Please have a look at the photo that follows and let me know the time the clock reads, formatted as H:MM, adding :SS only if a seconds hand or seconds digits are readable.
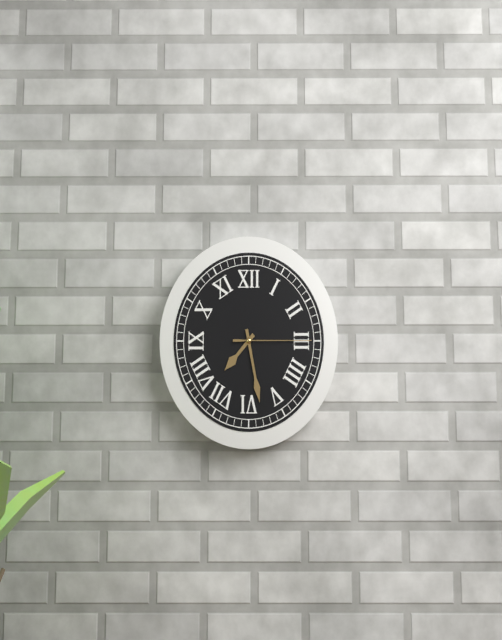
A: 7:28:15
